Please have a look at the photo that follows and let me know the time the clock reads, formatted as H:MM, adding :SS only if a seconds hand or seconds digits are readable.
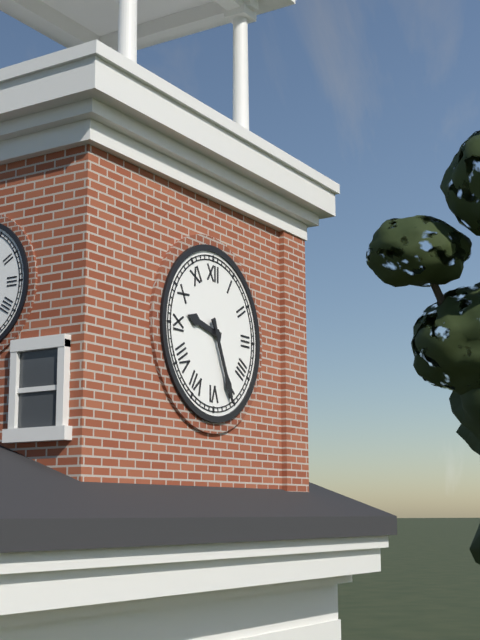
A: 9:26
